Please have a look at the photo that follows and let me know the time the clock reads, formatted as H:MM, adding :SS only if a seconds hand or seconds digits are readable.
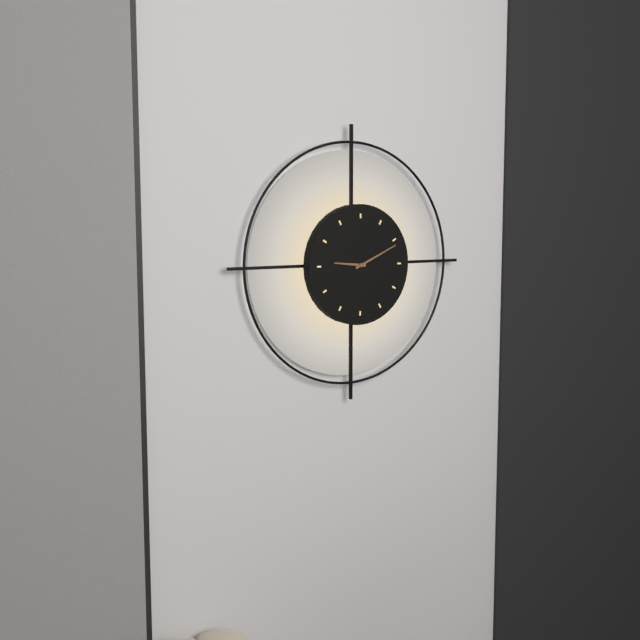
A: 9:11
